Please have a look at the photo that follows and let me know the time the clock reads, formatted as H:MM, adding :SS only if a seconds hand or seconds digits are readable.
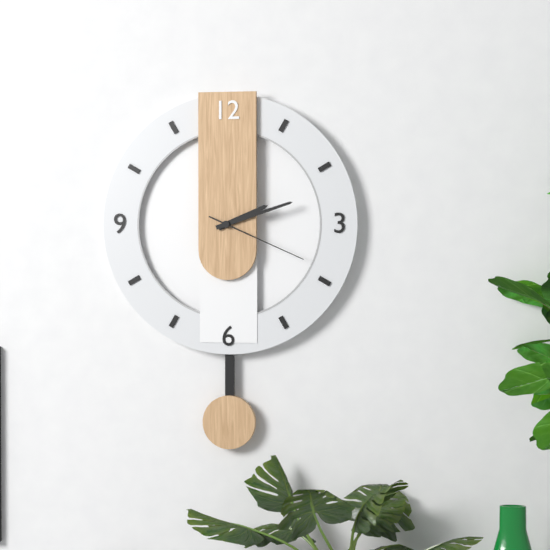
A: 2:12:19
